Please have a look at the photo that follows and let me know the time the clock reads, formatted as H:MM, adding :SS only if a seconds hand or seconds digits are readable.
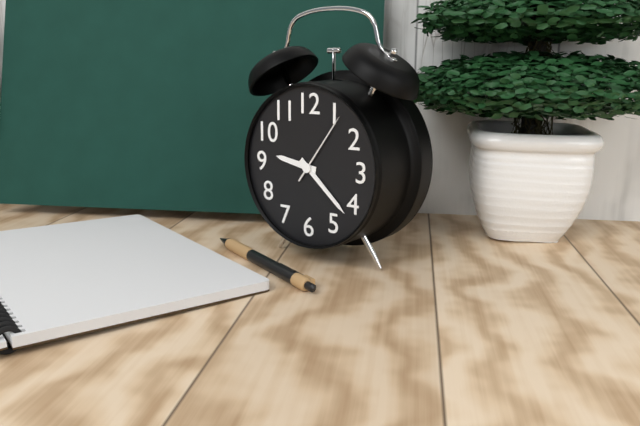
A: 9:22:06
